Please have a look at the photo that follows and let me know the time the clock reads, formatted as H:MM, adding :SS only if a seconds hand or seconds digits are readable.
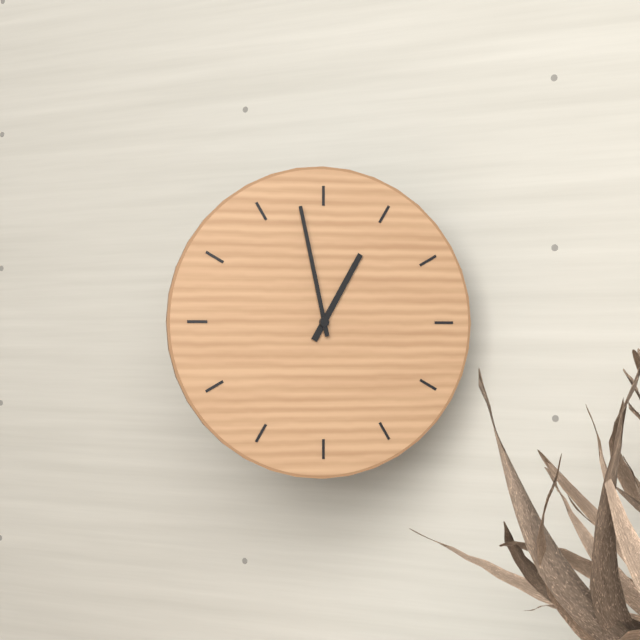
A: 12:58
